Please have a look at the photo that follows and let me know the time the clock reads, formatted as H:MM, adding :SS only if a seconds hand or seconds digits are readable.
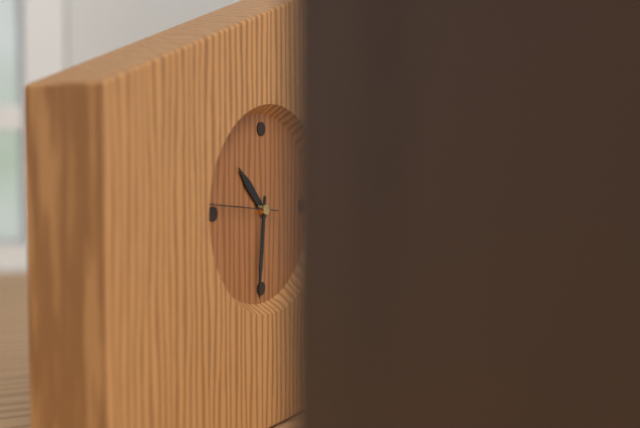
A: 10:31:46
